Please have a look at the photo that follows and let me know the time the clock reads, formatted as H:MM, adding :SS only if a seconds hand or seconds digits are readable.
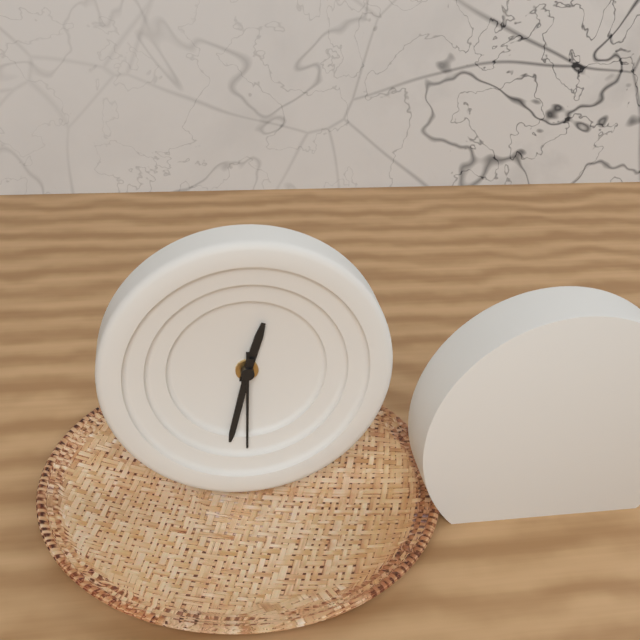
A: 12:32:30
